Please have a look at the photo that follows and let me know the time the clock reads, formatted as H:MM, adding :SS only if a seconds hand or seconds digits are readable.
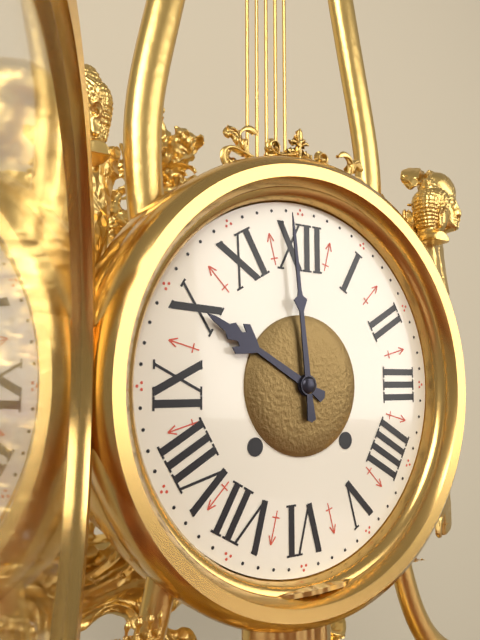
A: 9:59
